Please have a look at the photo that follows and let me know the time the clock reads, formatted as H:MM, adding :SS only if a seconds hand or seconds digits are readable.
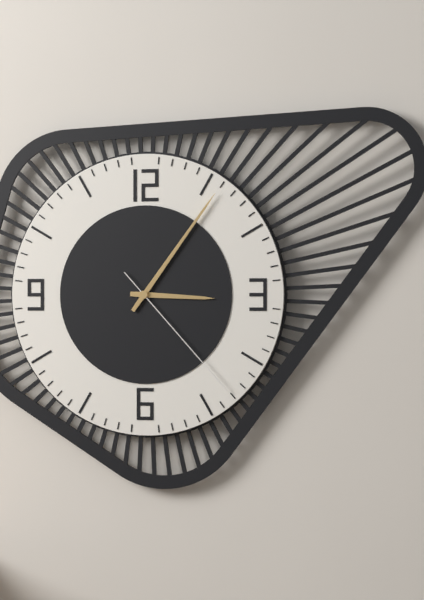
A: 3:06:23
